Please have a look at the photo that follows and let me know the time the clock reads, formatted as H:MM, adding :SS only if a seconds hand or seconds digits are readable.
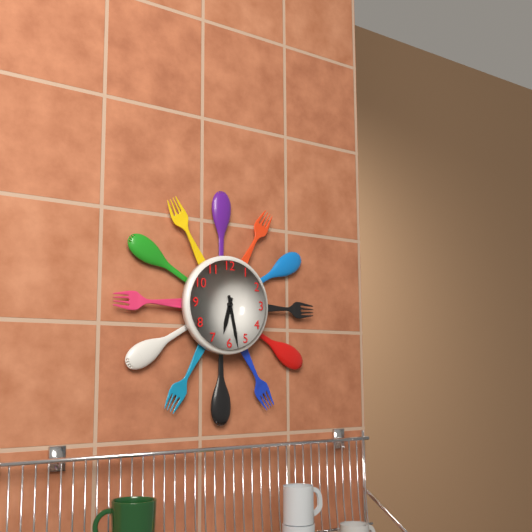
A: 6:28
